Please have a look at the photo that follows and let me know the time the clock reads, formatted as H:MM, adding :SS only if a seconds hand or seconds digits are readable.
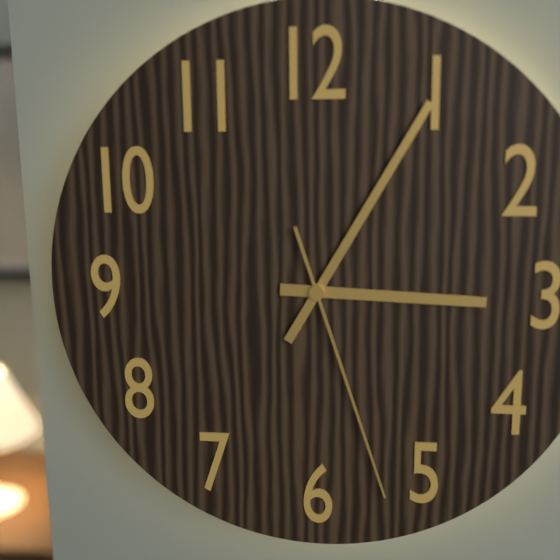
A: 3:05:27
